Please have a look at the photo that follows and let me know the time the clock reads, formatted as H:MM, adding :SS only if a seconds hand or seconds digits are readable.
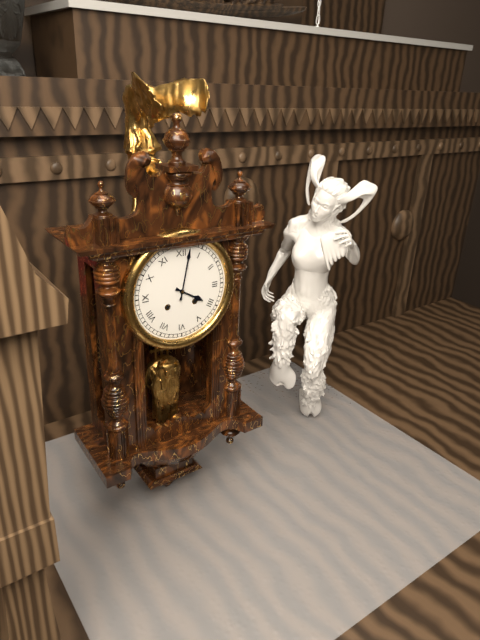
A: 4:02
